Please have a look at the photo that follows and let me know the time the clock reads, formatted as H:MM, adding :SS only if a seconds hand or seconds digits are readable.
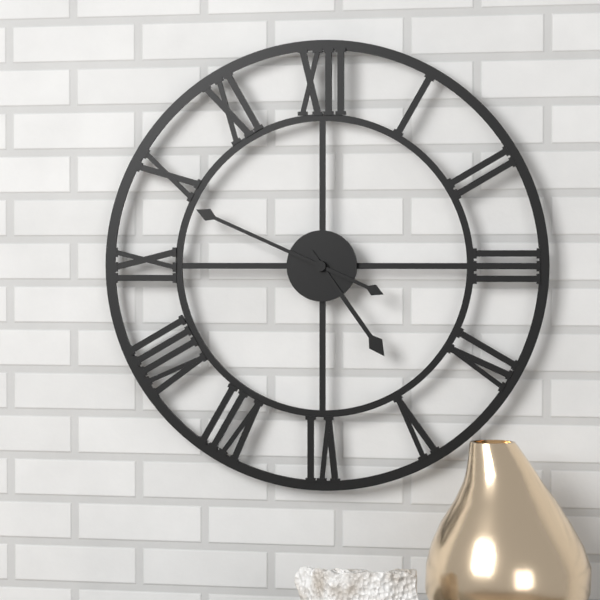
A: 4:49
